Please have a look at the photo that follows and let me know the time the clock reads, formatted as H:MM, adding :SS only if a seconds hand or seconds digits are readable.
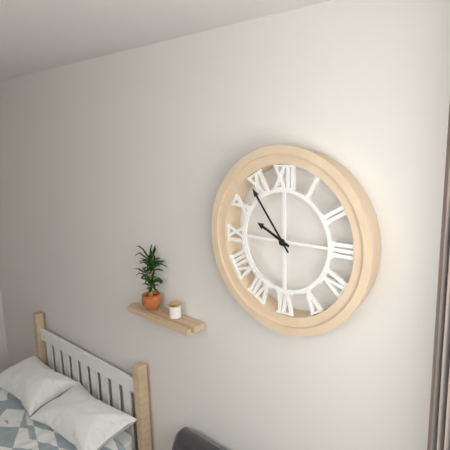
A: 9:54
